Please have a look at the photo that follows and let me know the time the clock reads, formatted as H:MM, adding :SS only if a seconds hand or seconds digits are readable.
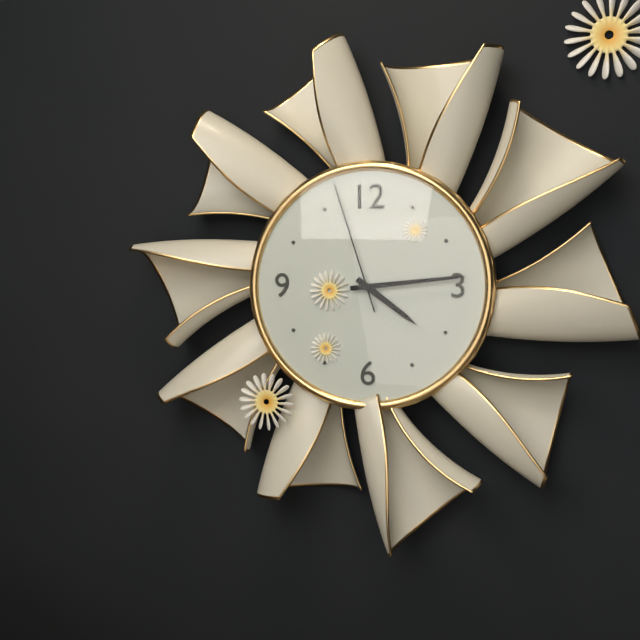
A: 4:14:57
